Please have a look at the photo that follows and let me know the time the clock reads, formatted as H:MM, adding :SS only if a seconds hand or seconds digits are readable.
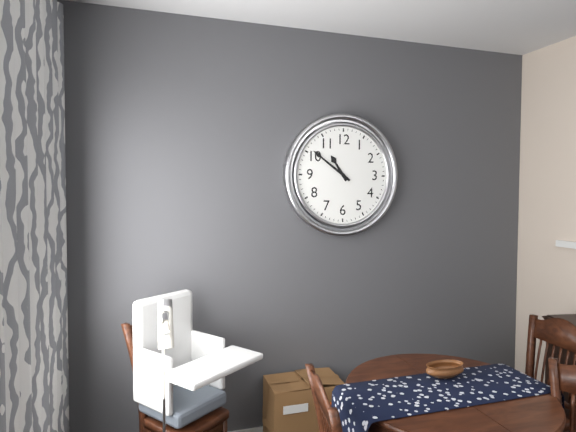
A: 10:51
